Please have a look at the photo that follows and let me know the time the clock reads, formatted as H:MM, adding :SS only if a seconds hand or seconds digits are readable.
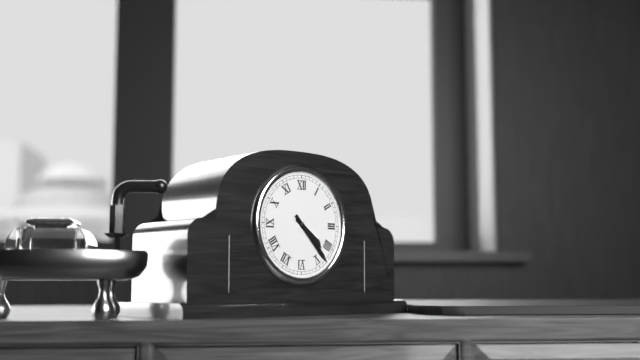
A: 4:23
